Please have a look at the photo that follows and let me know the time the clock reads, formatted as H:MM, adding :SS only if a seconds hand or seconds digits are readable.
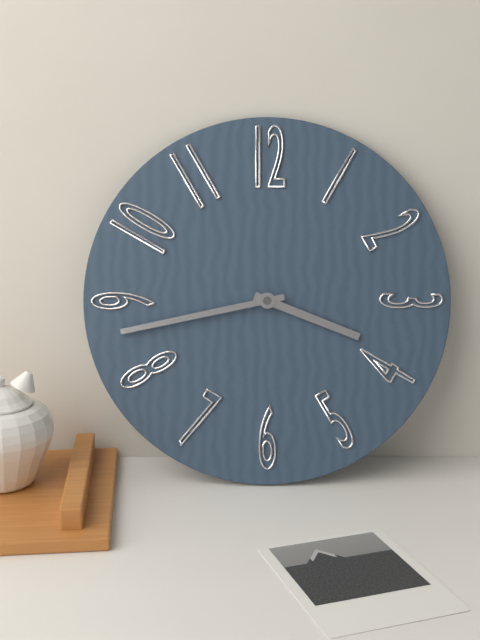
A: 3:43
